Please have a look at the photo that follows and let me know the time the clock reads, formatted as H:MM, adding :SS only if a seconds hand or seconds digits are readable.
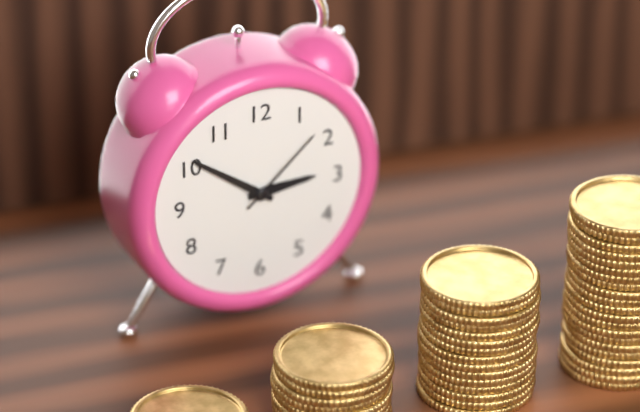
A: 2:51:08
